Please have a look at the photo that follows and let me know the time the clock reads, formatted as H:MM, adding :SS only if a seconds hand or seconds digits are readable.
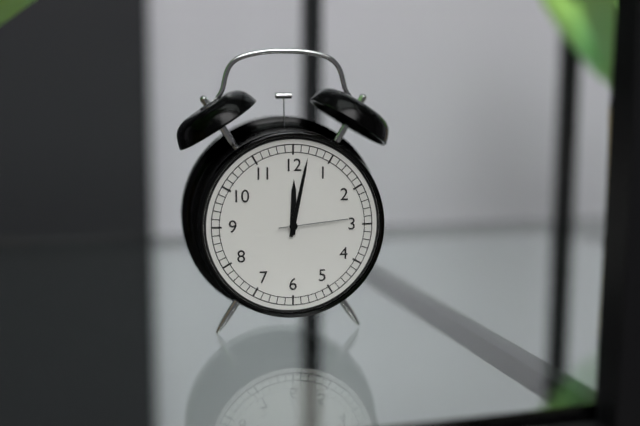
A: 12:02:14
